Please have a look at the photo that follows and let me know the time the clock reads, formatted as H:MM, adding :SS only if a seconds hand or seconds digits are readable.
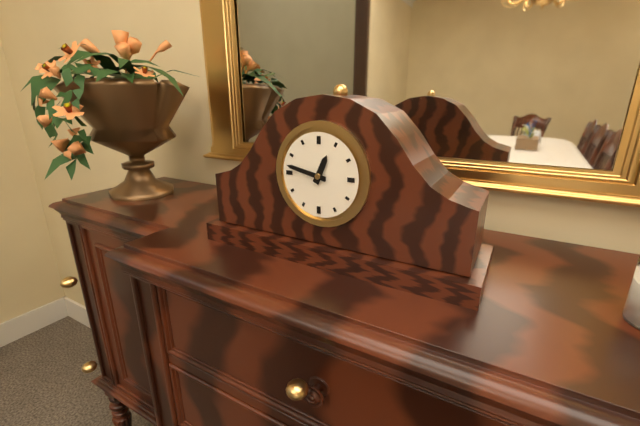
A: 12:47
